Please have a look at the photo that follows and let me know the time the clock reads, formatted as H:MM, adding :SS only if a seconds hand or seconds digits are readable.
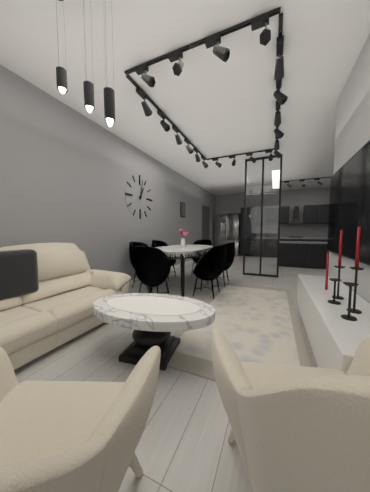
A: 1:02
